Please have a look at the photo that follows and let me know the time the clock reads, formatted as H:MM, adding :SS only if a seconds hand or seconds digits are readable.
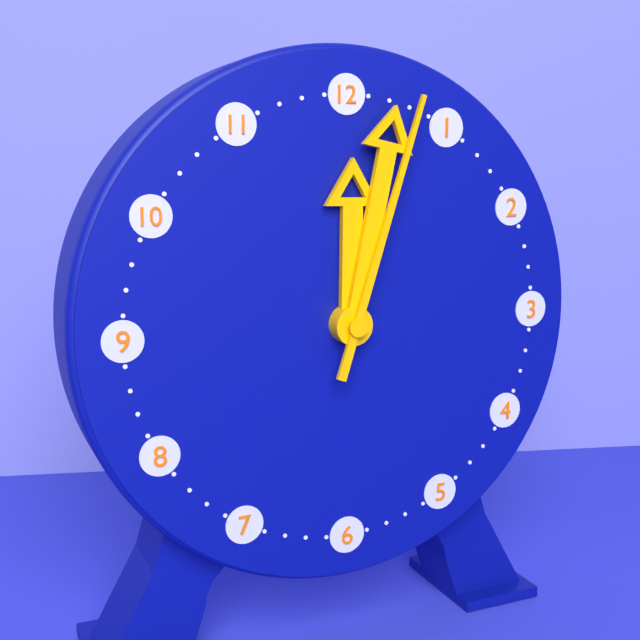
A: 12:02:03
